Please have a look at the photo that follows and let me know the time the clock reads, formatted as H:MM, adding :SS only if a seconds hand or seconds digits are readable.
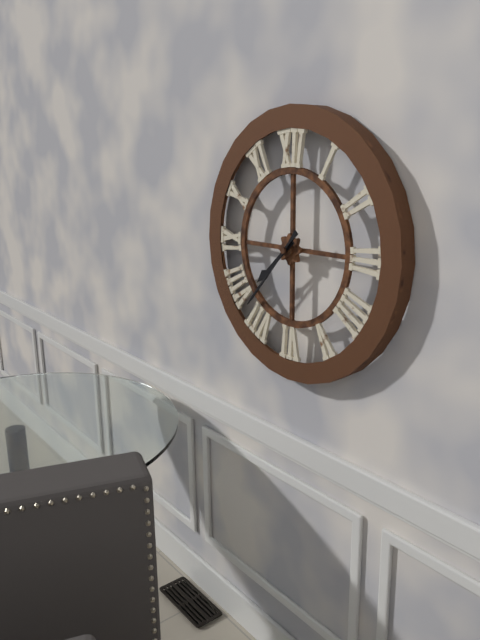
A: 7:37
